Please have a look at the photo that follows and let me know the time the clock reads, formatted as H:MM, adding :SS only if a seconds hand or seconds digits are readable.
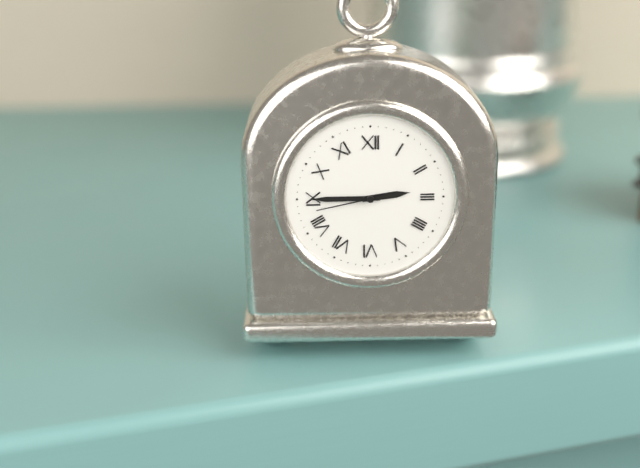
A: 2:45:43
